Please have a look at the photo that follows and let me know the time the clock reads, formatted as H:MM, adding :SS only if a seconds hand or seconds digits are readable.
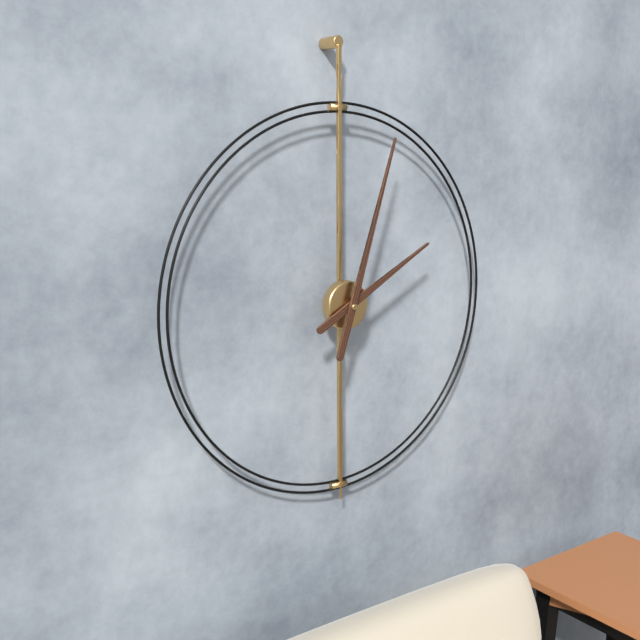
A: 2:03
